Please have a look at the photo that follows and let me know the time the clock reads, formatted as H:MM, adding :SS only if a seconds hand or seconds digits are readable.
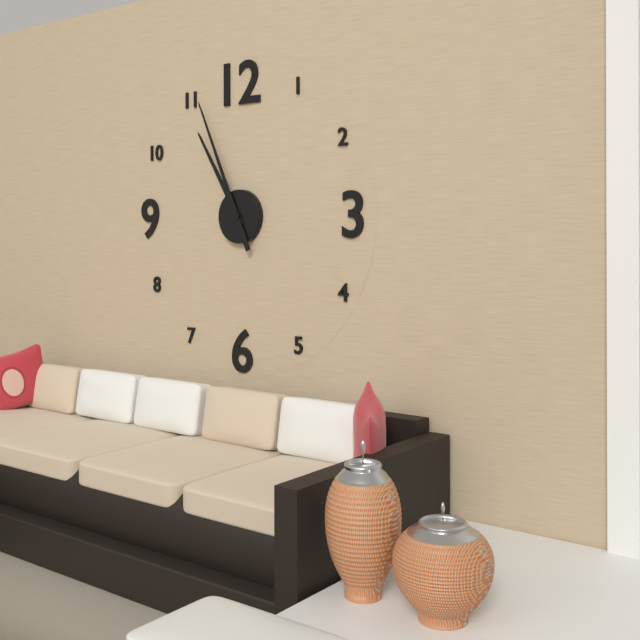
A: 10:56
